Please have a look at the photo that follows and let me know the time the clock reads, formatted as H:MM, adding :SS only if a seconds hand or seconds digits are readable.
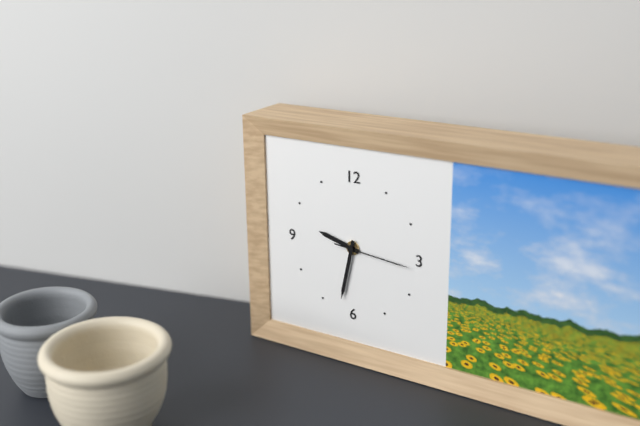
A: 9:32:16
